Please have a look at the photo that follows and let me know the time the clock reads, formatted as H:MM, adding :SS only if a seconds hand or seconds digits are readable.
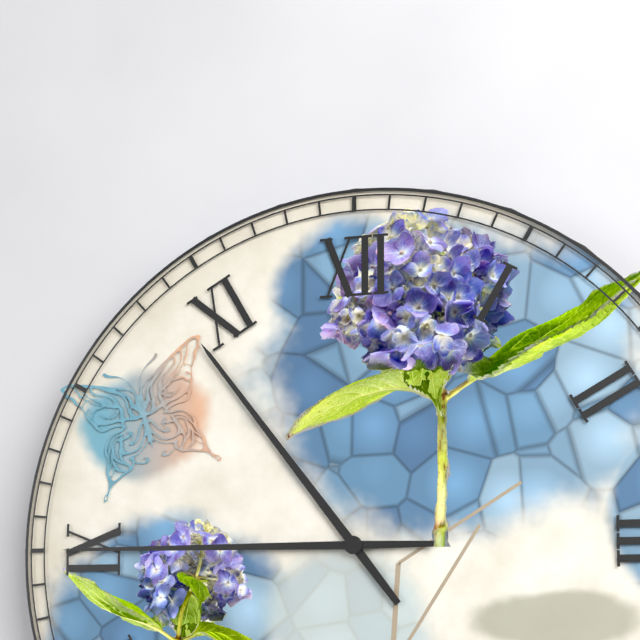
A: 10:45
